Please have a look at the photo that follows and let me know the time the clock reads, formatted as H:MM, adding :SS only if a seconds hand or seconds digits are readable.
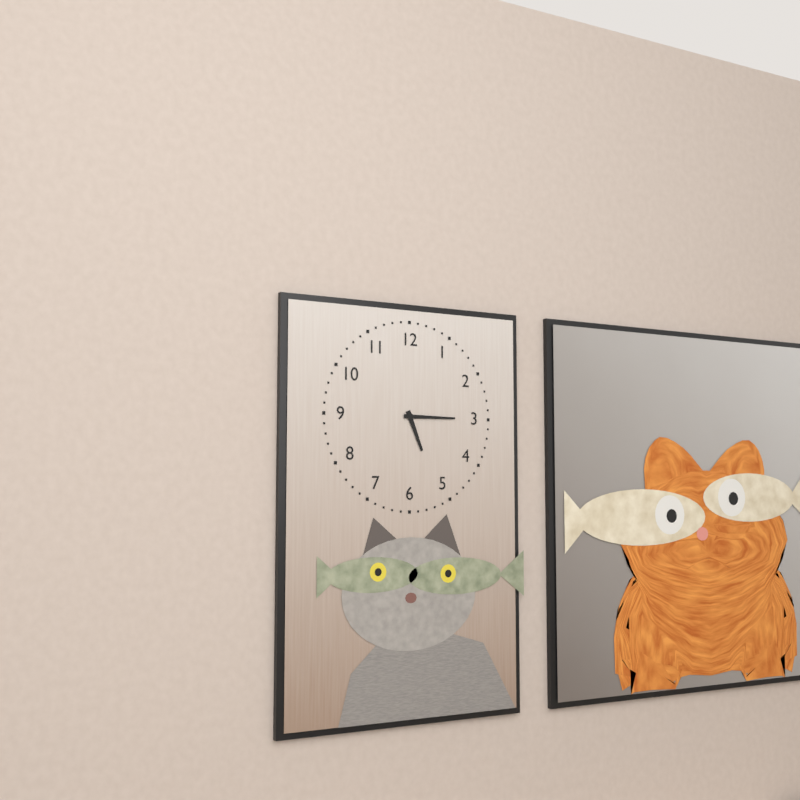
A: 5:15
